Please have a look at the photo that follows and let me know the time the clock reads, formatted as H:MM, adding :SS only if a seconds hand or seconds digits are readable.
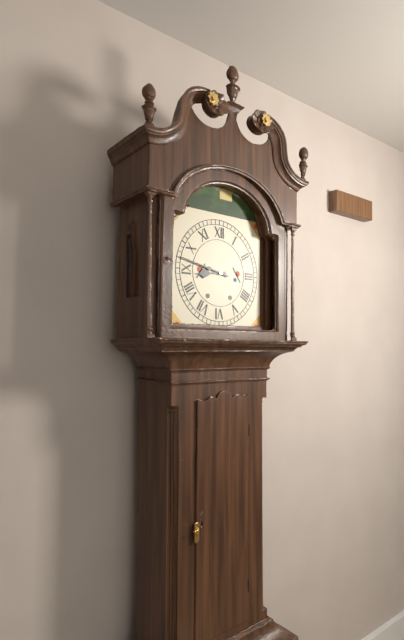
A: 8:47
